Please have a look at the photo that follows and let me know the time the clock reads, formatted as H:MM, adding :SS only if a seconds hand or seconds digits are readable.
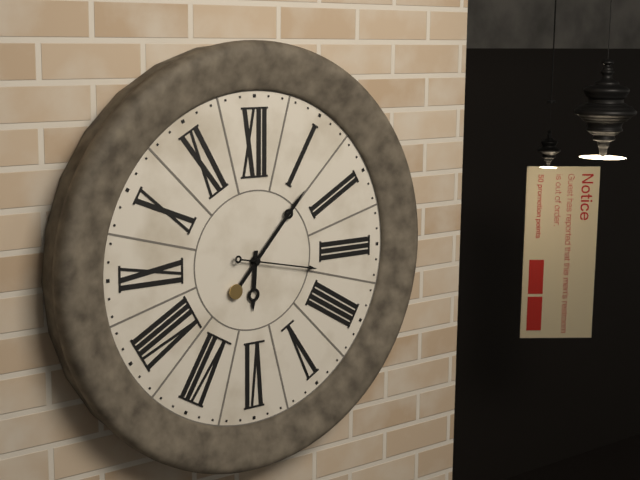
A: 6:07:17
